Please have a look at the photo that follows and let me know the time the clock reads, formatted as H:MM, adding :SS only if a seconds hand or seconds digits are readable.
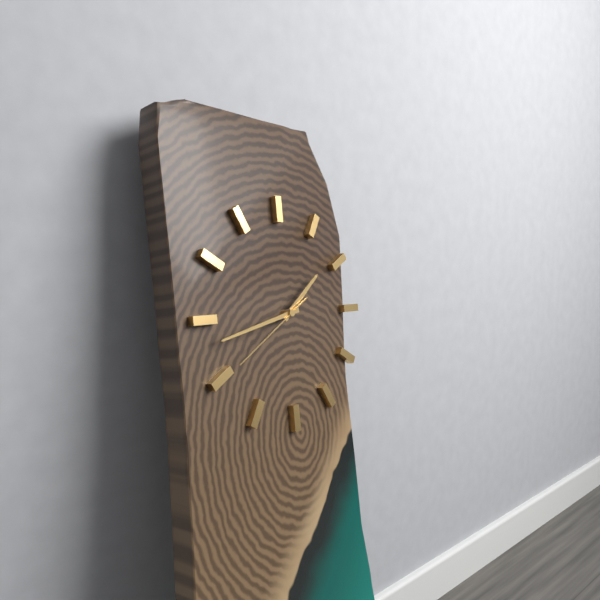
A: 1:43:40
